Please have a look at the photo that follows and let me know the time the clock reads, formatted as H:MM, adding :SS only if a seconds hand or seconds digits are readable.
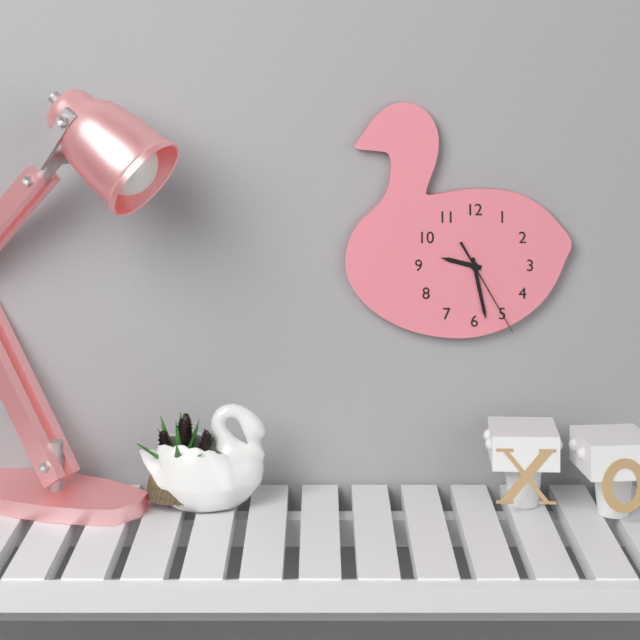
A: 9:28:25
